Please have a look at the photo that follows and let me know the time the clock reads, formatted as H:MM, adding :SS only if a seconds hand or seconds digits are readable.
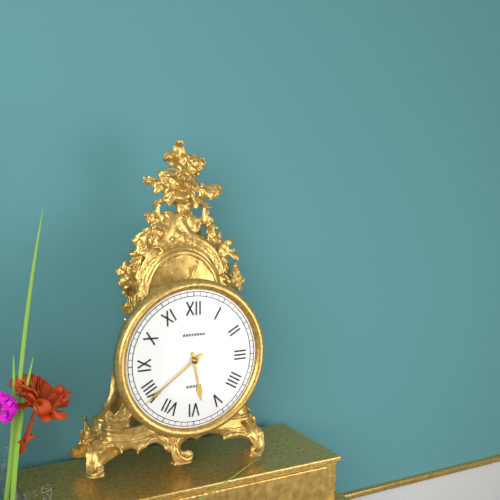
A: 5:39
